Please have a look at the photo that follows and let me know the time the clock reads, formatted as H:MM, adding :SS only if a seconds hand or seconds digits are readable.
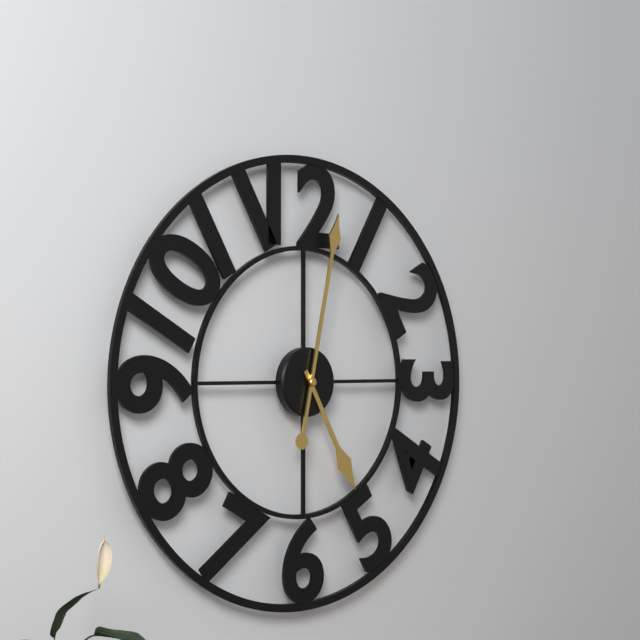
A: 5:02
